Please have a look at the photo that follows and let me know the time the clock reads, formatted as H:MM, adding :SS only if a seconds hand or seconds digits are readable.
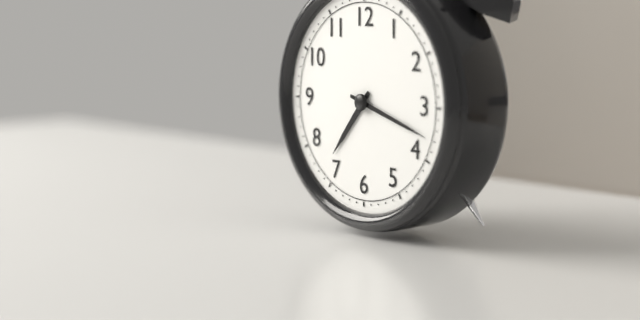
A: 7:18
